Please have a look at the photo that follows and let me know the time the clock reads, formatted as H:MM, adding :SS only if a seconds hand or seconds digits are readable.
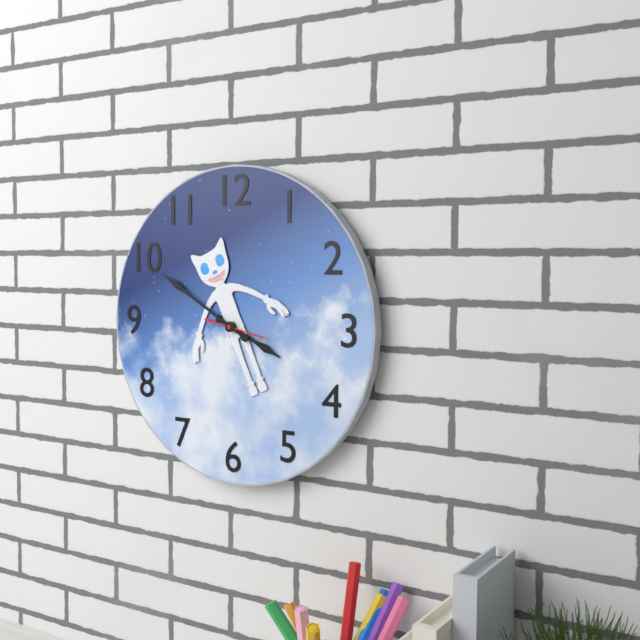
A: 3:50:17
